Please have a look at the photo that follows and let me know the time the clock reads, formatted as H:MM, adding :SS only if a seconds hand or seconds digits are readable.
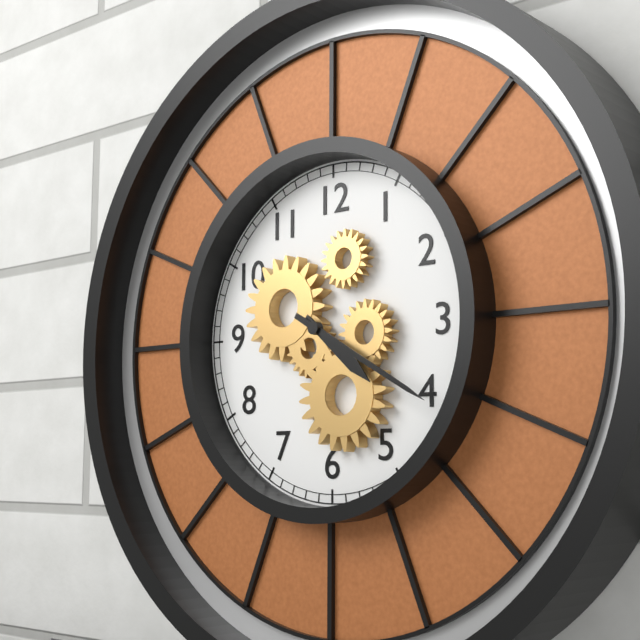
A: 4:20
